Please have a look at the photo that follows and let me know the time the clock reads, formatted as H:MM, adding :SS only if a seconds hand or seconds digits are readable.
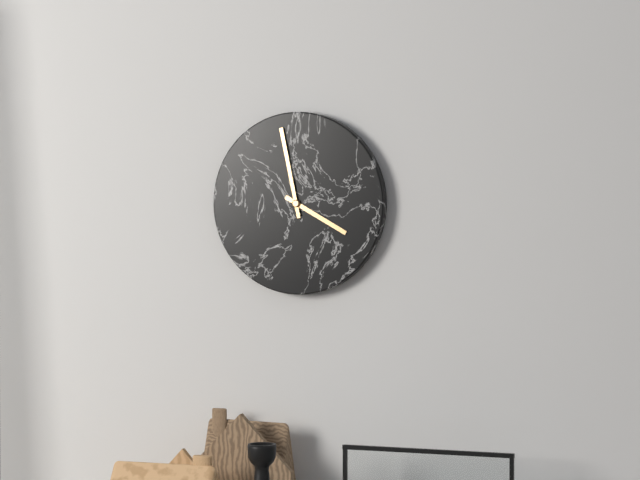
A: 3:58
